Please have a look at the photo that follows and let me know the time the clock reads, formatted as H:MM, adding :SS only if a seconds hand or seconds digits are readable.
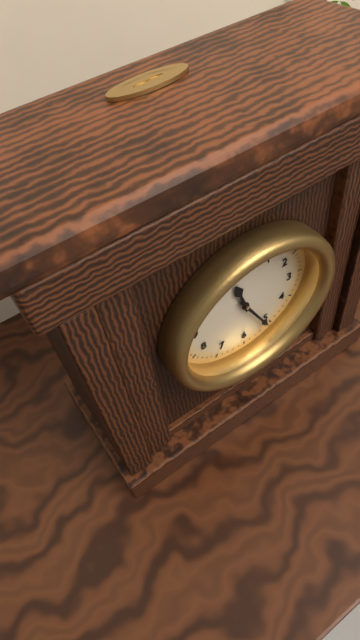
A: 11:25
